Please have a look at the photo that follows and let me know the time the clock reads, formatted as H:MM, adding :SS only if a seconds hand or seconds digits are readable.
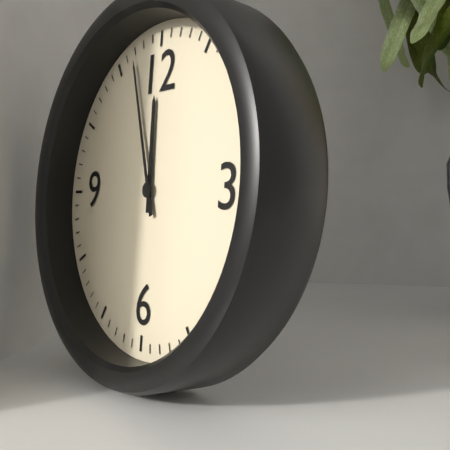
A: 11:57
